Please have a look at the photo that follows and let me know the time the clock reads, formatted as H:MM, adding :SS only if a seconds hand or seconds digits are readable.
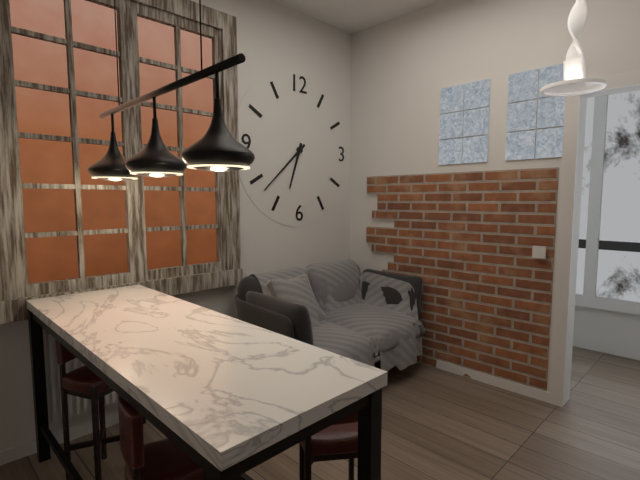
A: 6:38
